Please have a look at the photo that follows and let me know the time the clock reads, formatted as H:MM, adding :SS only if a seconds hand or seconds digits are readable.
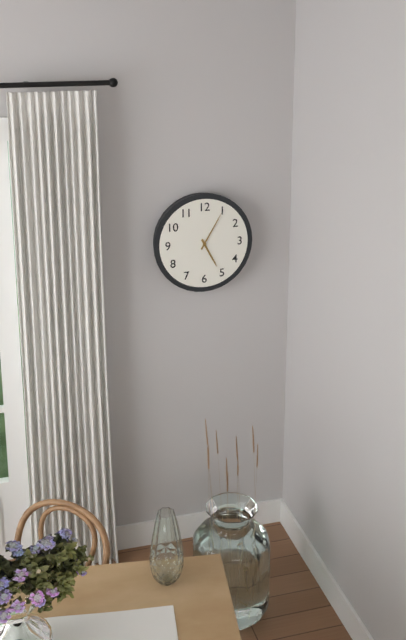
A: 5:05
